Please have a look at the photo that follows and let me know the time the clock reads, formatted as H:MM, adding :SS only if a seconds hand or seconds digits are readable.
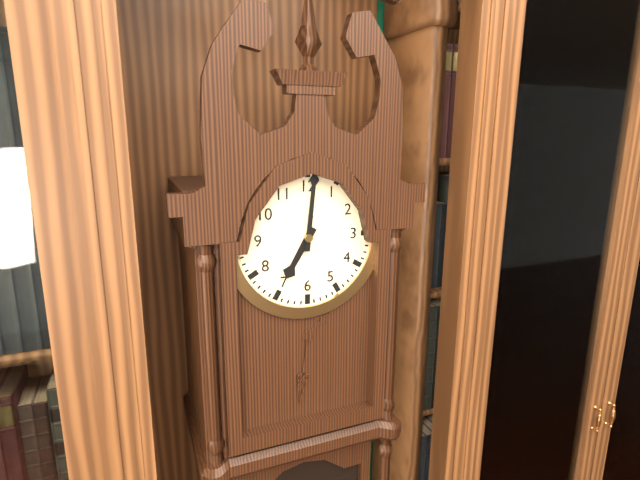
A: 7:01
